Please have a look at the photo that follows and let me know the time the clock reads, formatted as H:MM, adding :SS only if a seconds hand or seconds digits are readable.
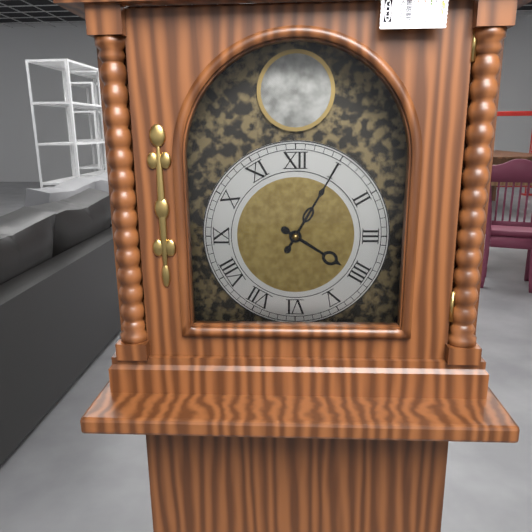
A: 4:05
